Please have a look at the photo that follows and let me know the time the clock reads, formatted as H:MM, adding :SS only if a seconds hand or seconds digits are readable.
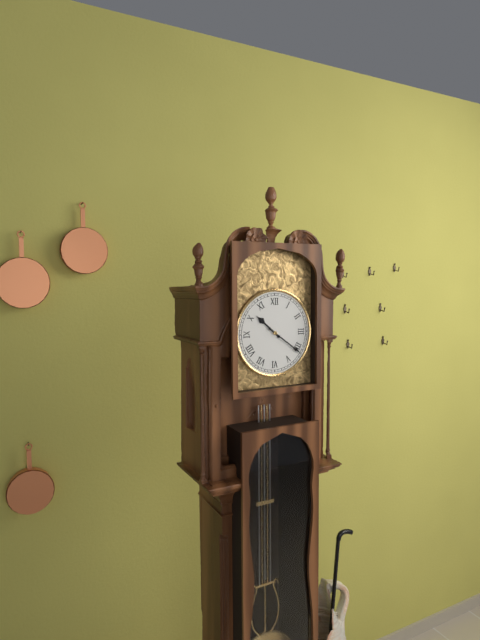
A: 10:21
